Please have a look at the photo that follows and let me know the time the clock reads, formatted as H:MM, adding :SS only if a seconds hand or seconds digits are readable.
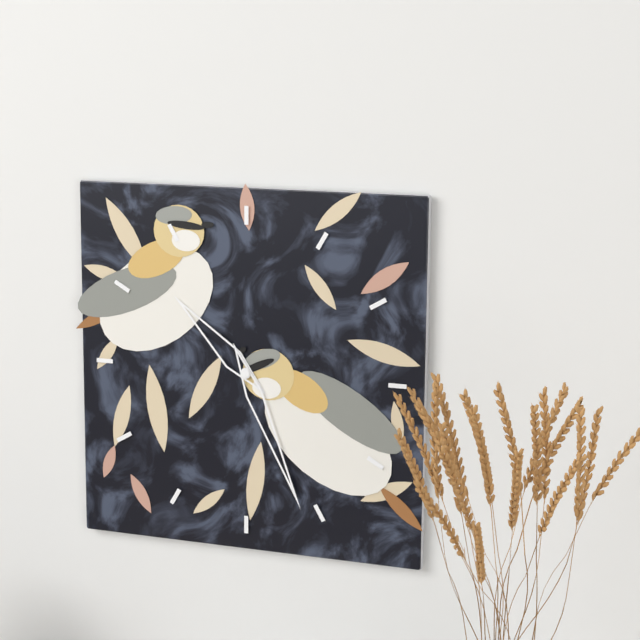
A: 10:26
